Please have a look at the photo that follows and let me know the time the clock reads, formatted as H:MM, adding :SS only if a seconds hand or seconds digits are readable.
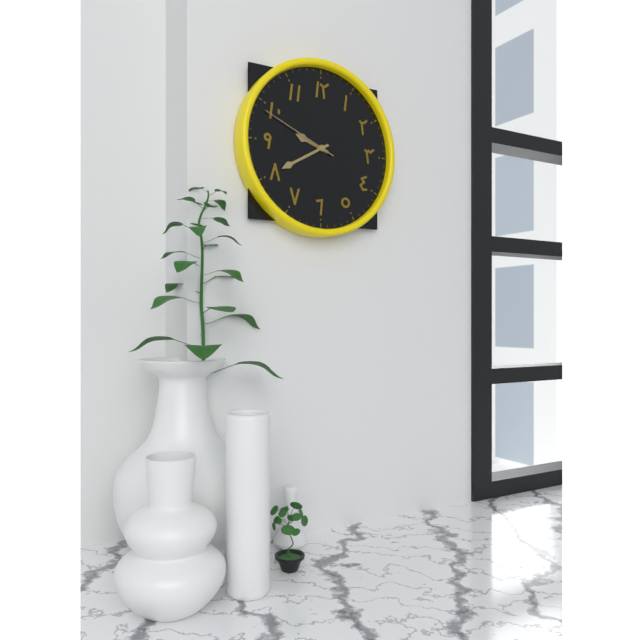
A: 9:40:49
